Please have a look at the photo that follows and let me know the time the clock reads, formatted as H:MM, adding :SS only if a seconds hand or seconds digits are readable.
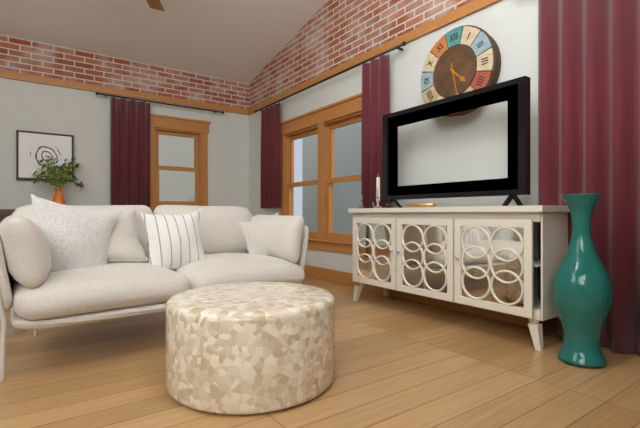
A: 4:28
